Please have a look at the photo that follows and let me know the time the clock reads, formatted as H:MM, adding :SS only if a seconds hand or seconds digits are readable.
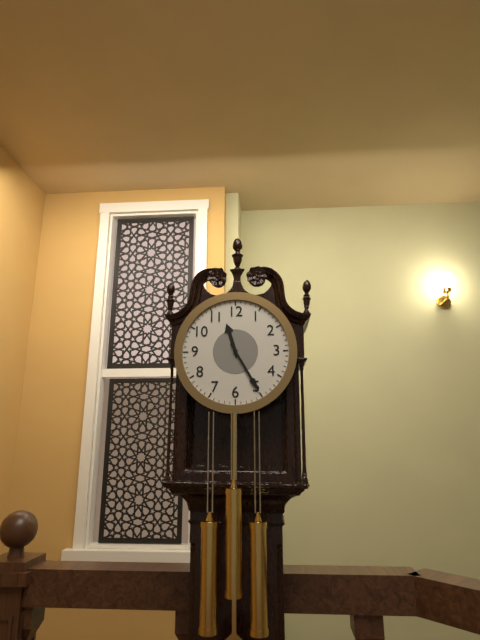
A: 11:25
